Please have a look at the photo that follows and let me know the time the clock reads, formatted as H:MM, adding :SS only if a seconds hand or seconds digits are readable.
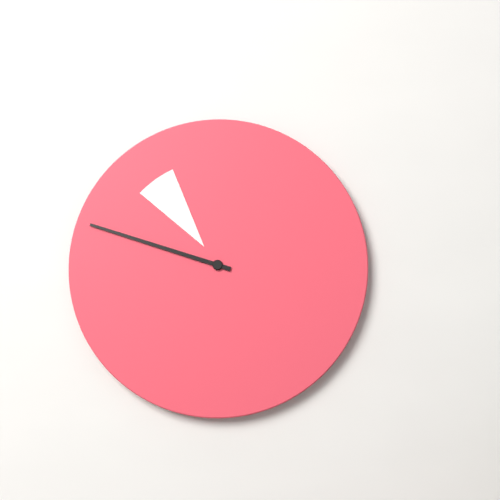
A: 10:48
